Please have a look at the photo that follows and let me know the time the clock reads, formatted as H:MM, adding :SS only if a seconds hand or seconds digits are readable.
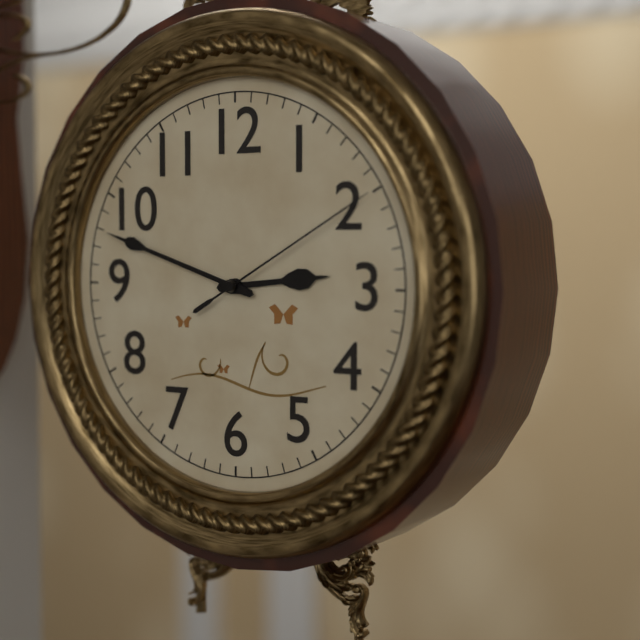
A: 2:48:10
